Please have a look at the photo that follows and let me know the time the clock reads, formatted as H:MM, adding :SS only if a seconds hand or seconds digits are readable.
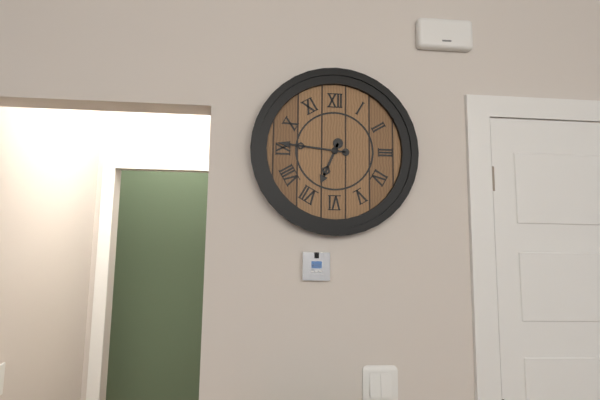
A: 6:46
